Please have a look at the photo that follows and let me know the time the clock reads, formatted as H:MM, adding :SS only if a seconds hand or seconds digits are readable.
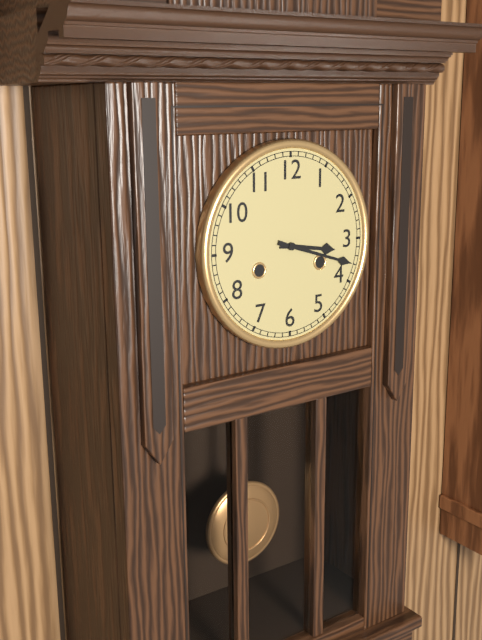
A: 3:18
